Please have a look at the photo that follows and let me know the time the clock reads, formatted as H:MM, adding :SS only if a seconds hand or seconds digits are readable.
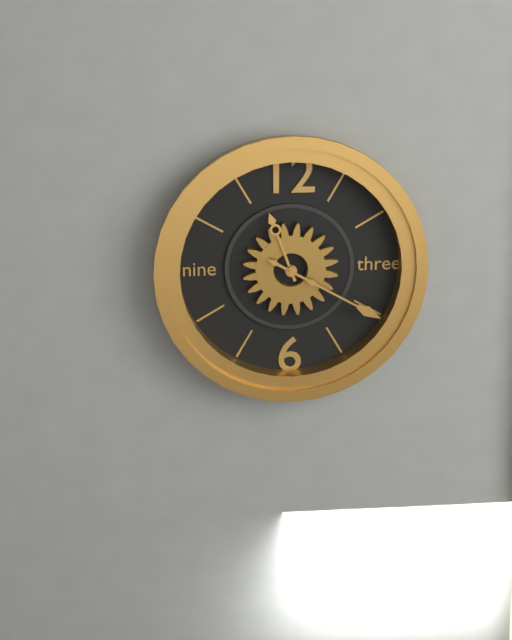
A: 11:20
